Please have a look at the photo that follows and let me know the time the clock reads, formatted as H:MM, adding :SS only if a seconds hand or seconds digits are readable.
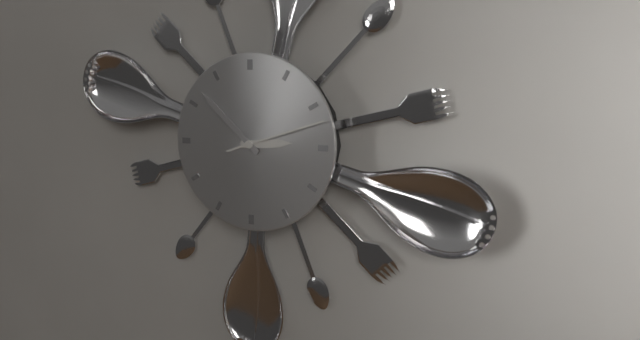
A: 2:52:12
